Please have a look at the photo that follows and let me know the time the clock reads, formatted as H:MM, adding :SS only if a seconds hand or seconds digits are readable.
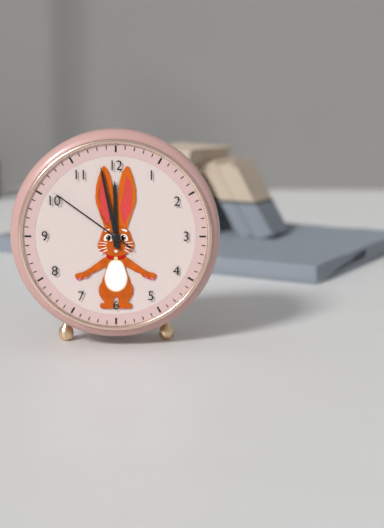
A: 11:58:51
